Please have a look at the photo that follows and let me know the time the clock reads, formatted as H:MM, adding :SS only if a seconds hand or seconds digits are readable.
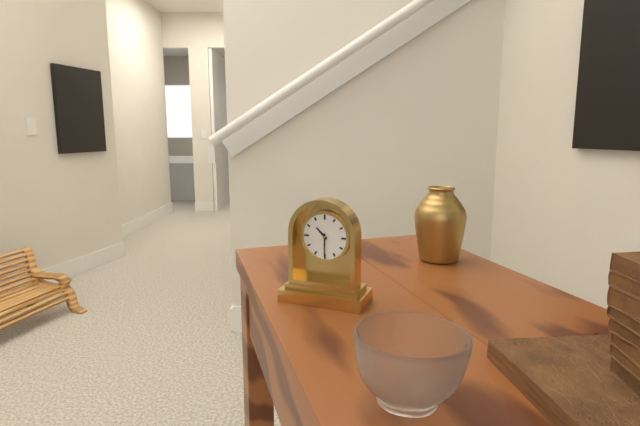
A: 10:30
